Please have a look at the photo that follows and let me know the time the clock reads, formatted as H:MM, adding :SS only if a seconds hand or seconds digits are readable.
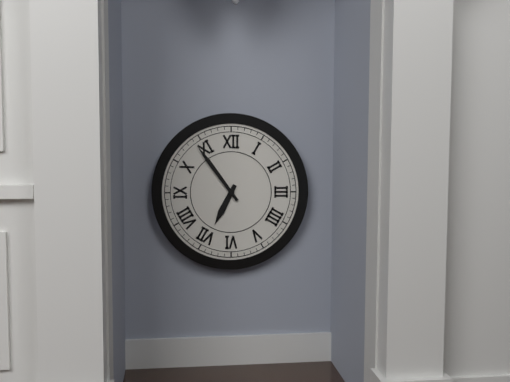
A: 6:54
